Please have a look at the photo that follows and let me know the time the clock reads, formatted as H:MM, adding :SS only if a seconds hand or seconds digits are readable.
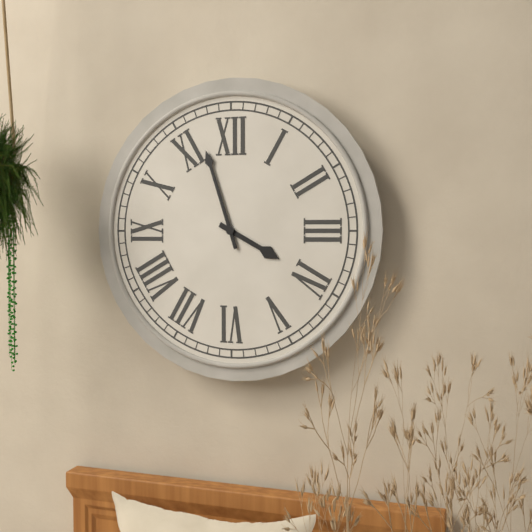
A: 3:57
